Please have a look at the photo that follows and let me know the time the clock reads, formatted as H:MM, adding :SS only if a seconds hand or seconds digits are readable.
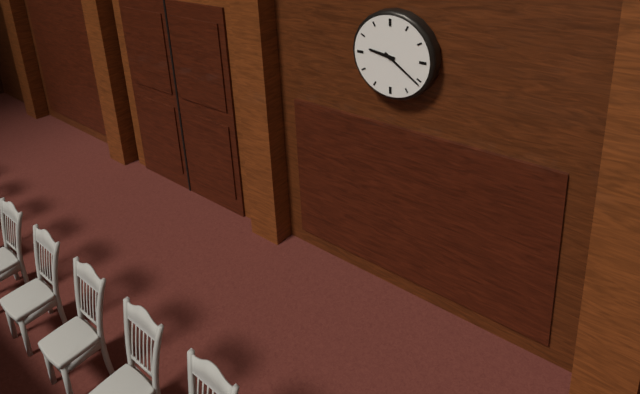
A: 9:21
